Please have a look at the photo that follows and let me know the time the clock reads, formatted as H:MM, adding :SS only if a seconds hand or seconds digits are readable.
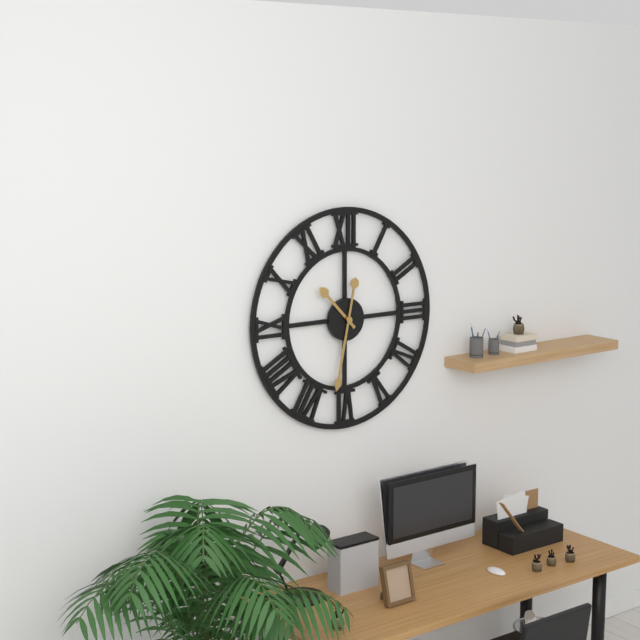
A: 10:32
